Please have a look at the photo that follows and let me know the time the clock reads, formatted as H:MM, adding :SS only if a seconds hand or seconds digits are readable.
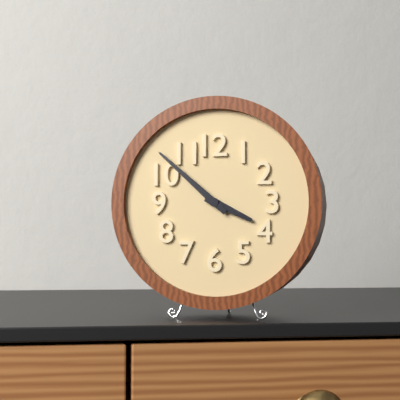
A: 3:52
